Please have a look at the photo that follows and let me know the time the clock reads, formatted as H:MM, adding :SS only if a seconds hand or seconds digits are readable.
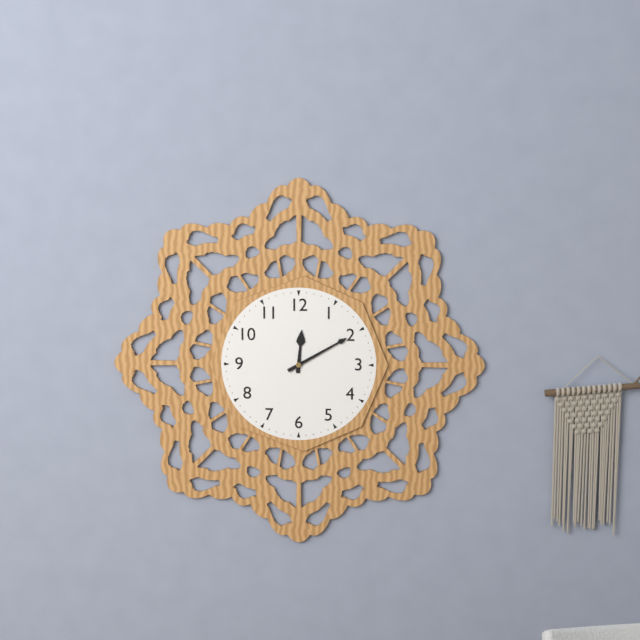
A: 12:10
